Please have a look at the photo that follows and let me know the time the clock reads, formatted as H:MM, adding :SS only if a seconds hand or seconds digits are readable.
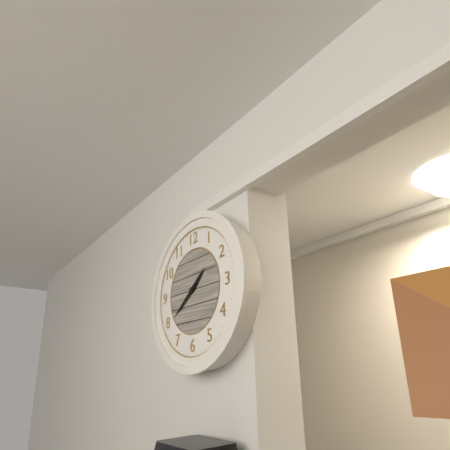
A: 1:39
